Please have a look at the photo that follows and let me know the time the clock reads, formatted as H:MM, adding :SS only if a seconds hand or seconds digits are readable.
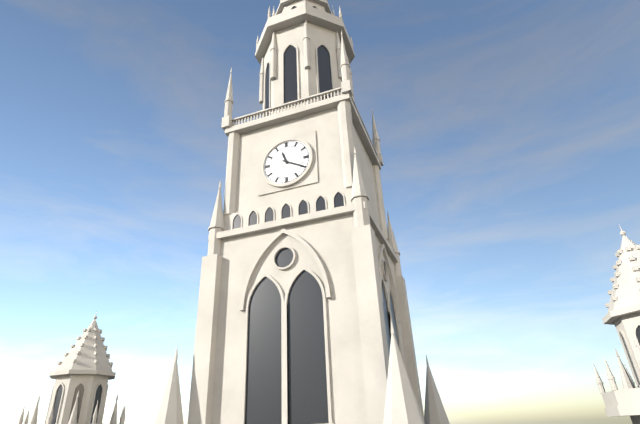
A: 11:20
